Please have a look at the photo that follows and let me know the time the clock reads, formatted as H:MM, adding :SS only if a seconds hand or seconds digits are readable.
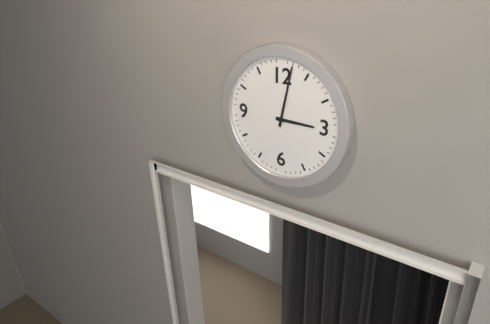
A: 3:02
